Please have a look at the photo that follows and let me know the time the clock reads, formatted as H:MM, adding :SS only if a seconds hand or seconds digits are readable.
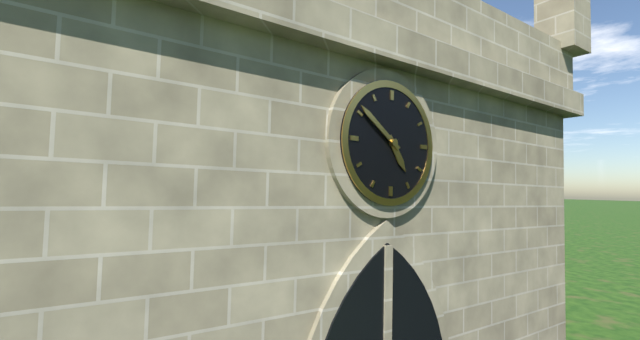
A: 4:51
